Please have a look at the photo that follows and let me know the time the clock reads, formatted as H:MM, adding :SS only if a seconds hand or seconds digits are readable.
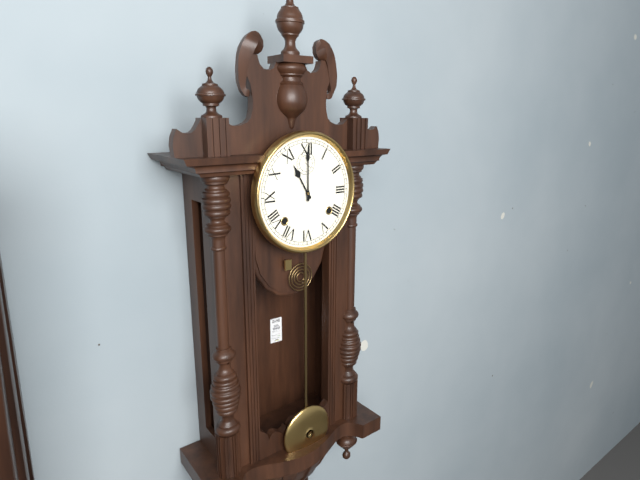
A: 11:00
